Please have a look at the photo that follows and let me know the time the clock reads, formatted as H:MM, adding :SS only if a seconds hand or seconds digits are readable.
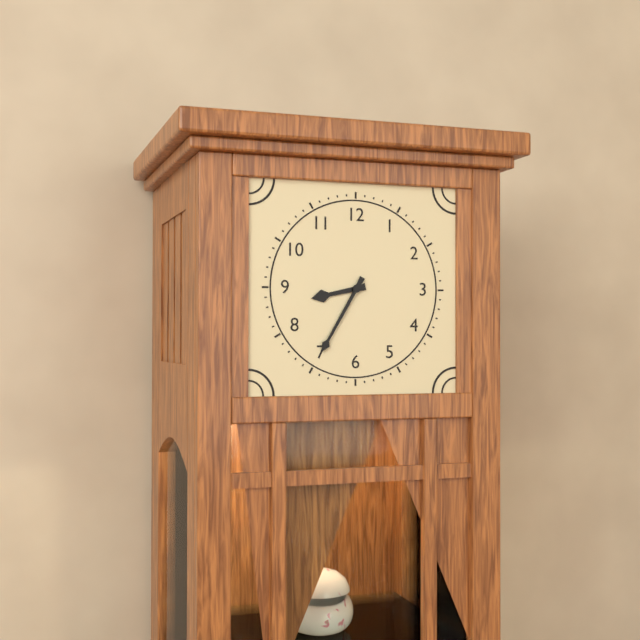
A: 8:35
